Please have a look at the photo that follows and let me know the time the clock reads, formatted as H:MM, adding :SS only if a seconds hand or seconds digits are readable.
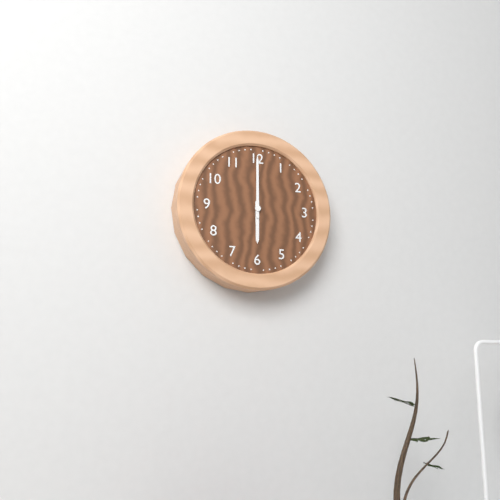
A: 6:00
